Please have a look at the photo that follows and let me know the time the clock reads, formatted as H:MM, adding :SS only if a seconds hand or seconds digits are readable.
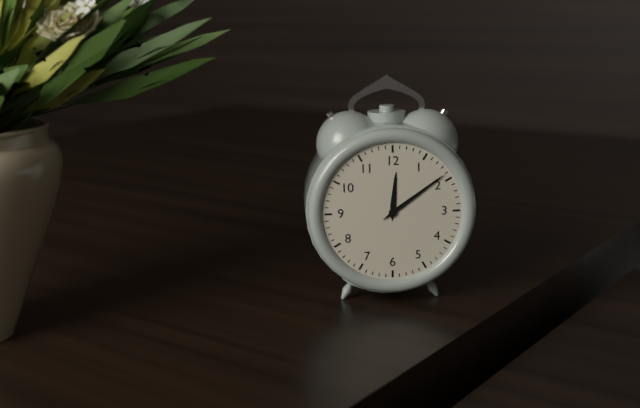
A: 12:09
